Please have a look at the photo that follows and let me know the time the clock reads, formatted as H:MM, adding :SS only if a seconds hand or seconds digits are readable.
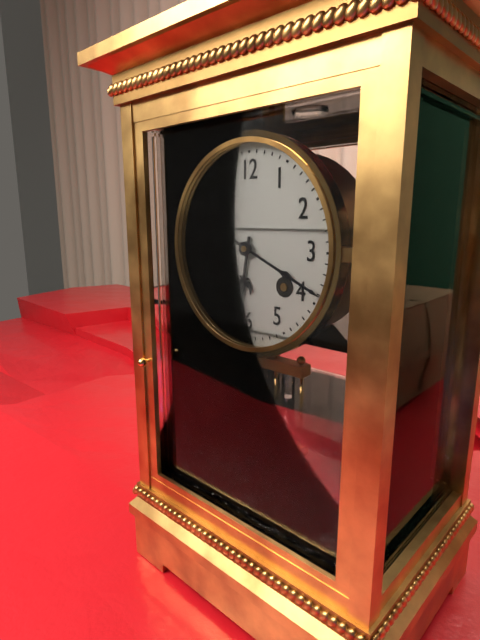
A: 6:19
